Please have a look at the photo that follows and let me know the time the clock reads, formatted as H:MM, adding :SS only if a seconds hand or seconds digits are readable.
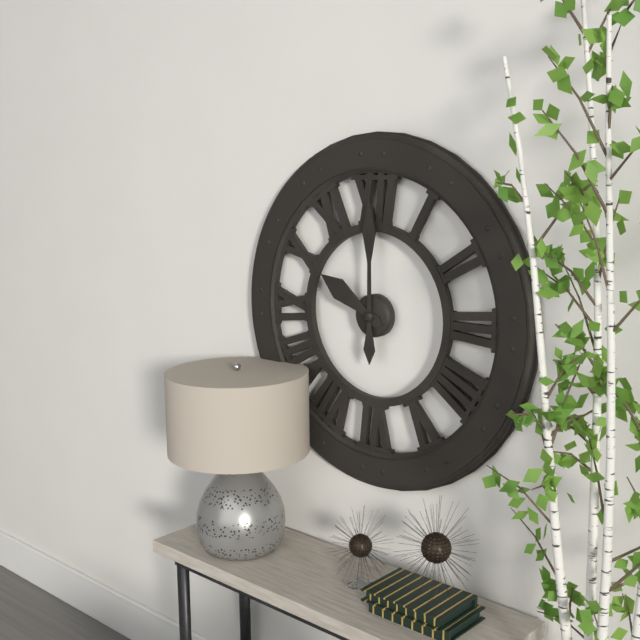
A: 10:00
